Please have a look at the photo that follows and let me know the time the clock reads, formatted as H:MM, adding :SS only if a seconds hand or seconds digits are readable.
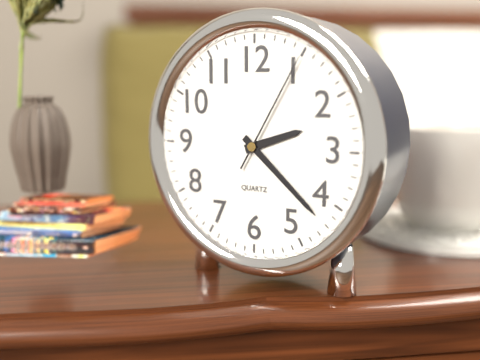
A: 2:22:05
